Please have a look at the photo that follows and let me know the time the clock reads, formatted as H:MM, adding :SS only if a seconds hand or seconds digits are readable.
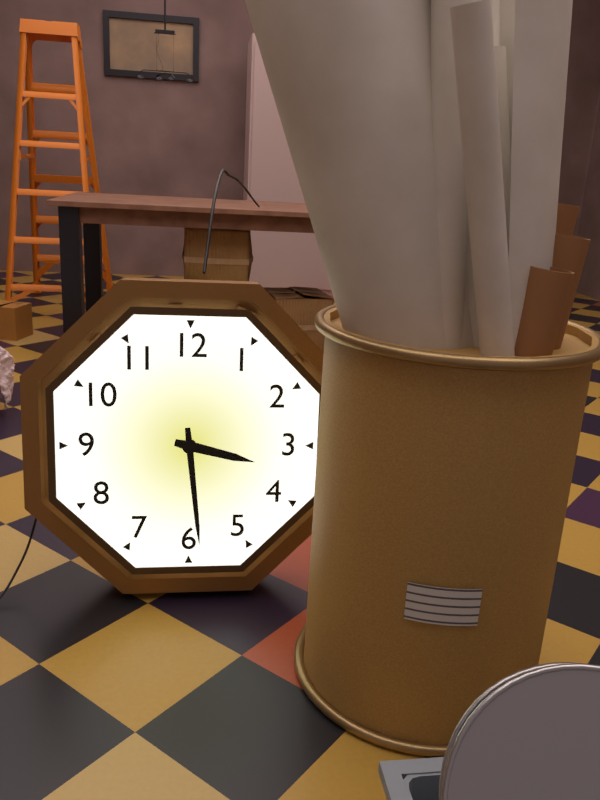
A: 3:29
